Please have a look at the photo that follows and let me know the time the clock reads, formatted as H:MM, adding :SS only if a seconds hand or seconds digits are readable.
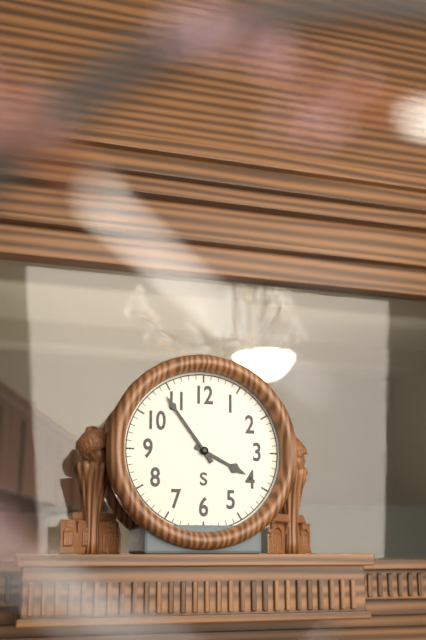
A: 3:54
